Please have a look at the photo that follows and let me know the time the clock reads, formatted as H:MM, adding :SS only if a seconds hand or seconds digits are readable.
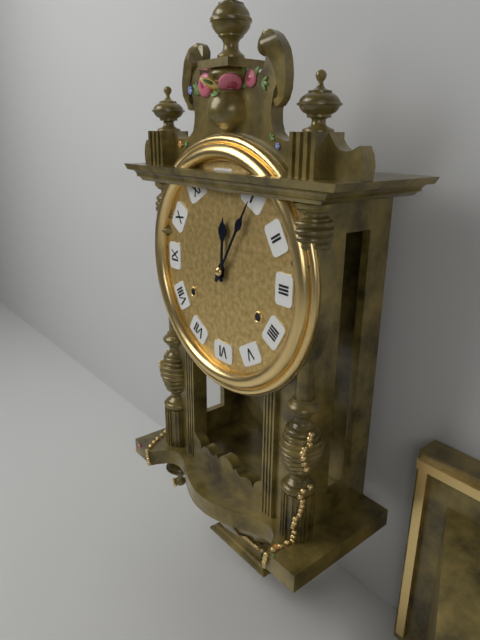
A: 12:05
